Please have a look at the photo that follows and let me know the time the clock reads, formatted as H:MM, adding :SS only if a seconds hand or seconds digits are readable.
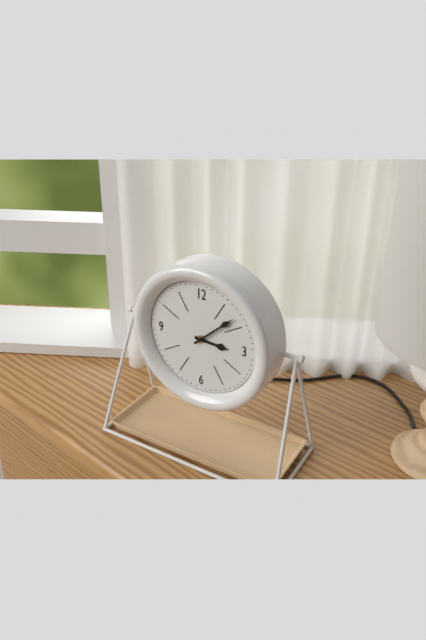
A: 3:08
